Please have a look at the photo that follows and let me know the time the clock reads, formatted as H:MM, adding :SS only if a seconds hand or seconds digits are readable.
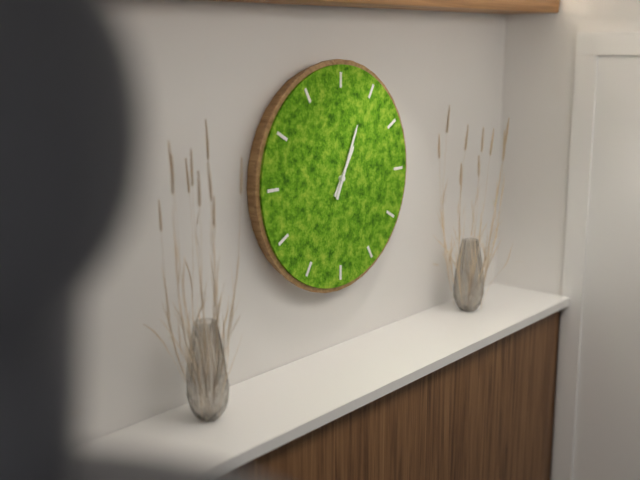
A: 1:04
